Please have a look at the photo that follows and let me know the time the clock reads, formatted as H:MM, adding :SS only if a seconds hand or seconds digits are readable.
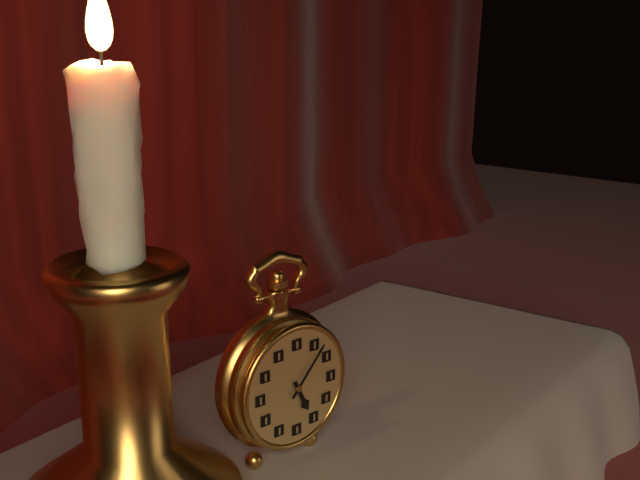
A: 5:07
